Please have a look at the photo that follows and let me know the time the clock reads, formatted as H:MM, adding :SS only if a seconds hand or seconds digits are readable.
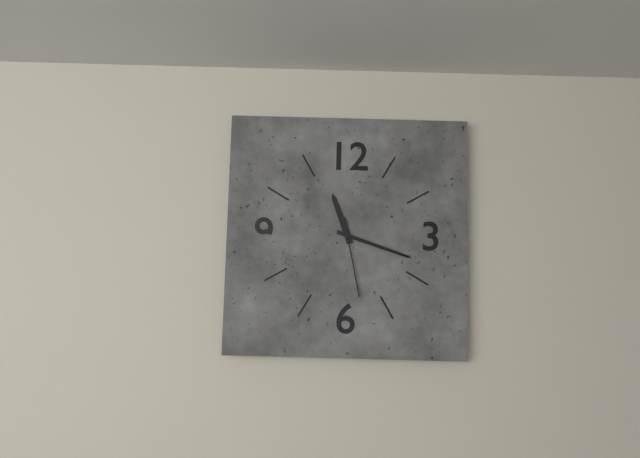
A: 11:18:28
